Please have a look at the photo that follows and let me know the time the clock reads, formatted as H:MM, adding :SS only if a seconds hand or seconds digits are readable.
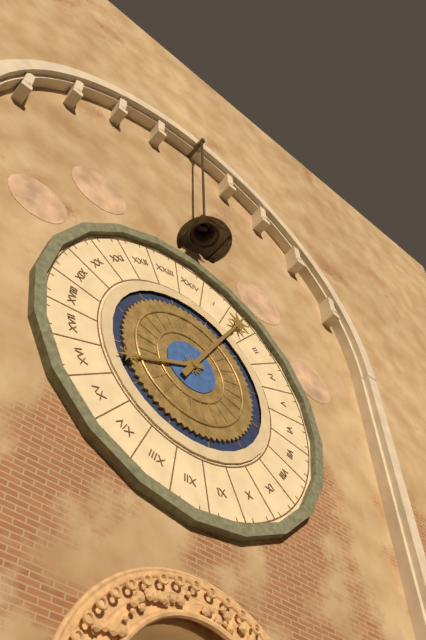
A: 8:05
